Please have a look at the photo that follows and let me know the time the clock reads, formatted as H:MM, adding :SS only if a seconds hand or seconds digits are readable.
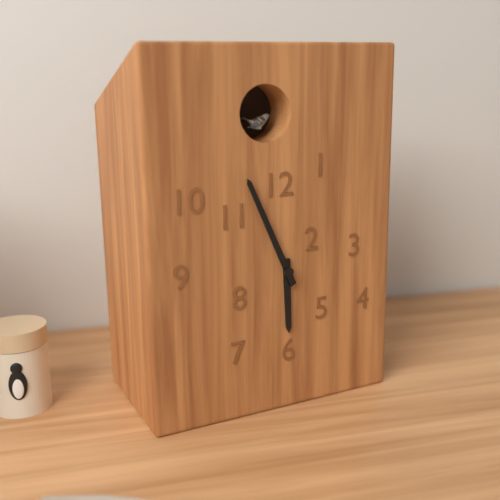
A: 5:56
